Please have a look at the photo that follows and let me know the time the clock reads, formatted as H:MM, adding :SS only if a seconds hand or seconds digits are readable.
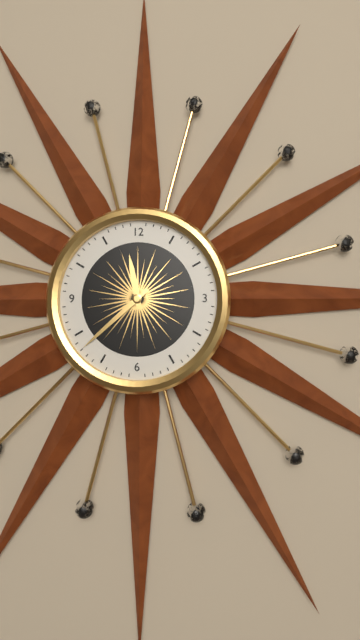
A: 11:38
